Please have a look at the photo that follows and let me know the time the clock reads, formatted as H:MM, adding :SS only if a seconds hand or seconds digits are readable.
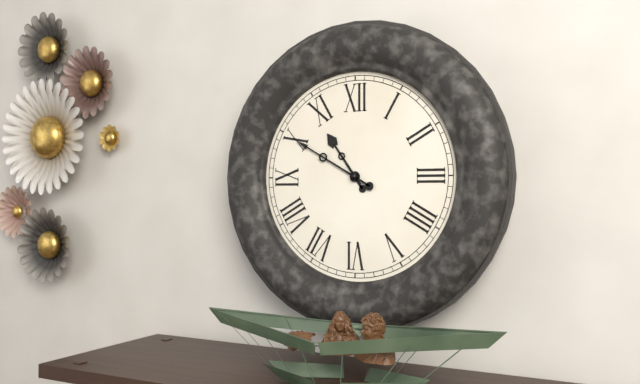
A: 10:50
